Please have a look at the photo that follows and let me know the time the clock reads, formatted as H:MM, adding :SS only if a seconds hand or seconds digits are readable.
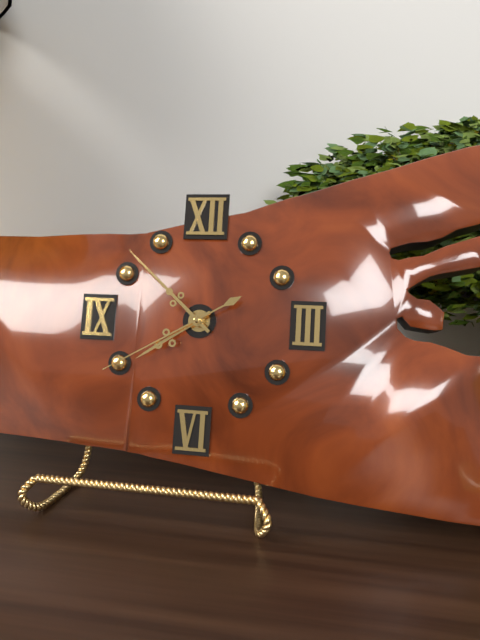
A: 7:52:40
